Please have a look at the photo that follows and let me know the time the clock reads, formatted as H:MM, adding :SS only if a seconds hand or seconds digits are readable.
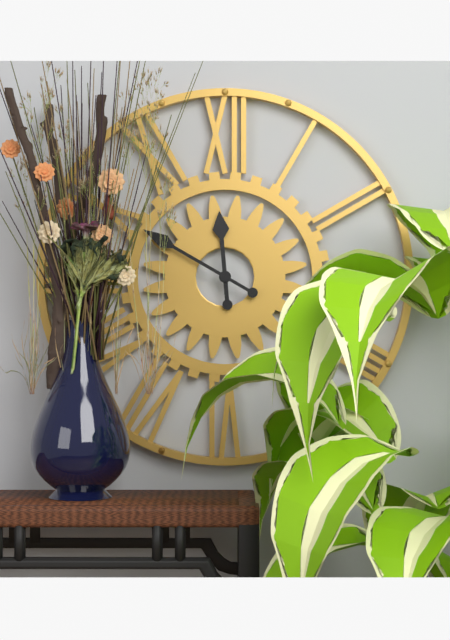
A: 11:50
